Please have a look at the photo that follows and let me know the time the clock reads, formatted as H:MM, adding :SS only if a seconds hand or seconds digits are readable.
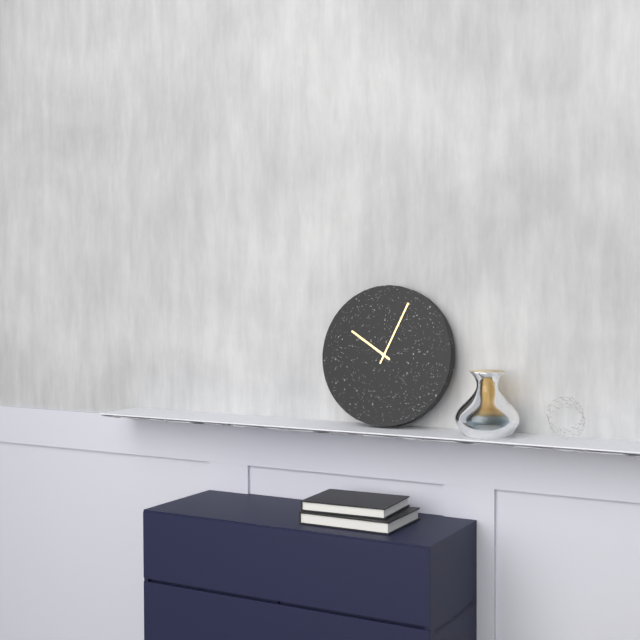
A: 10:04
